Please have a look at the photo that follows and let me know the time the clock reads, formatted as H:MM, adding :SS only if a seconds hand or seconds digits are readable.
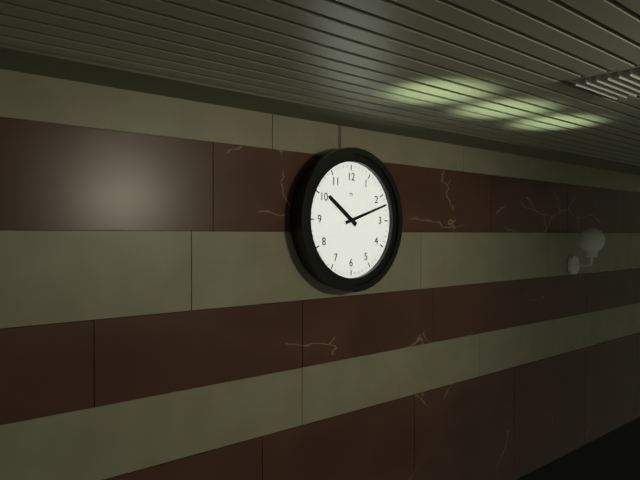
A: 10:12
